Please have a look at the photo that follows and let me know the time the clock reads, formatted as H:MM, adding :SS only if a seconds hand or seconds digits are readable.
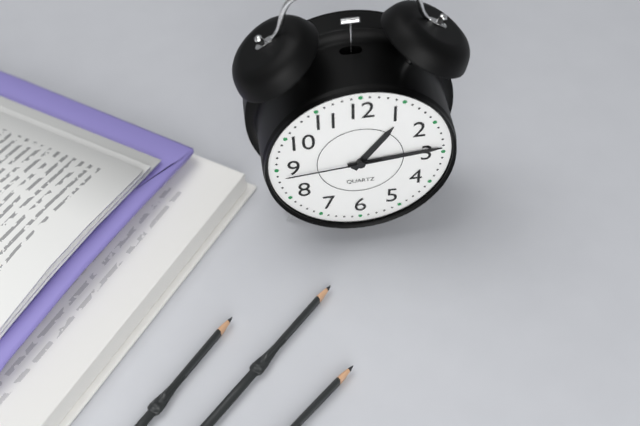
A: 1:14:44
